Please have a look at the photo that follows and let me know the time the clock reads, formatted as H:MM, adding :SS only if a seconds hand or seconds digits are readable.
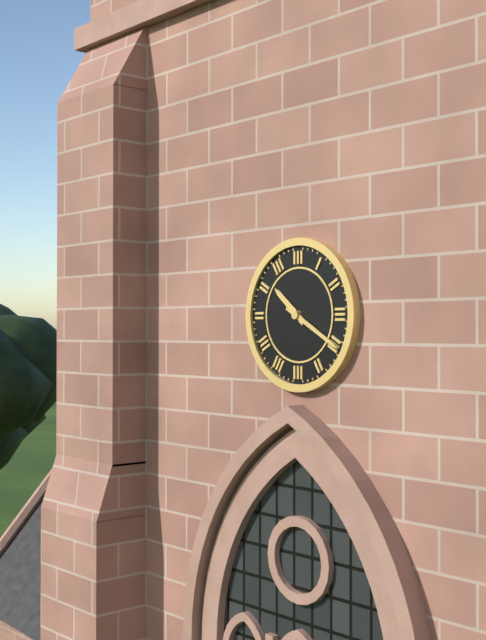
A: 10:20
